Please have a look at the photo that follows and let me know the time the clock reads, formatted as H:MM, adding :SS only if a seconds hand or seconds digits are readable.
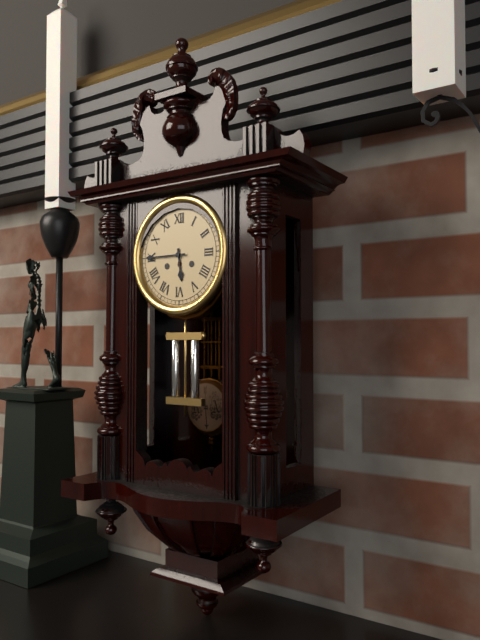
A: 5:45
